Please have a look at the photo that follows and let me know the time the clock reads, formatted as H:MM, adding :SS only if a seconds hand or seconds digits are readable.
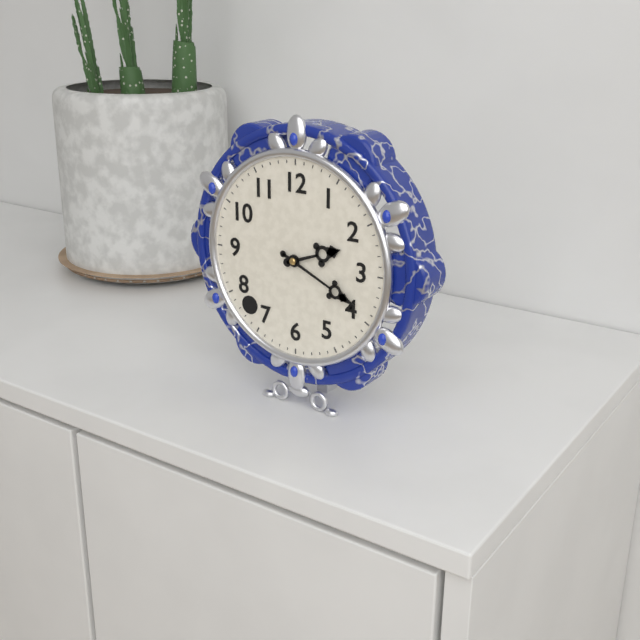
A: 2:19
